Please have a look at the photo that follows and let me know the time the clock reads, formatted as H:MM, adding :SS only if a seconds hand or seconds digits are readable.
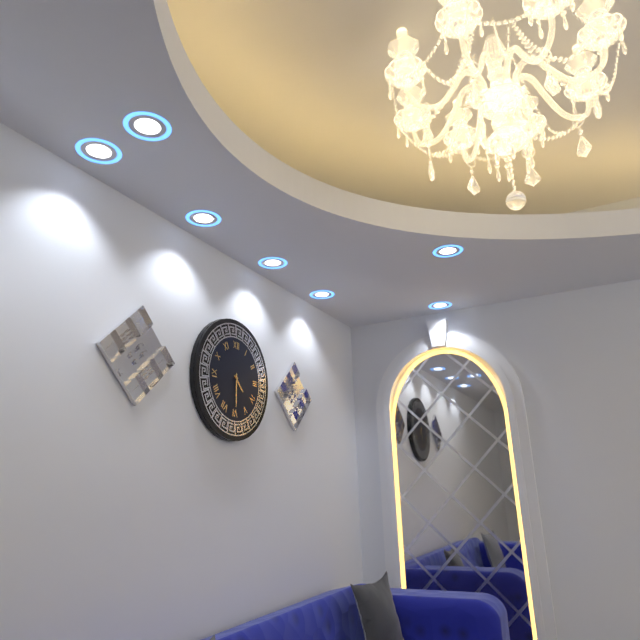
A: 4:30
